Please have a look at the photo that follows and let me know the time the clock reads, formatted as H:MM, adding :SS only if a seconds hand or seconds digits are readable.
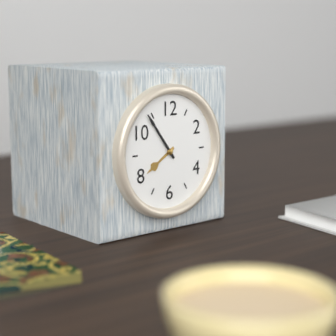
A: 7:54
